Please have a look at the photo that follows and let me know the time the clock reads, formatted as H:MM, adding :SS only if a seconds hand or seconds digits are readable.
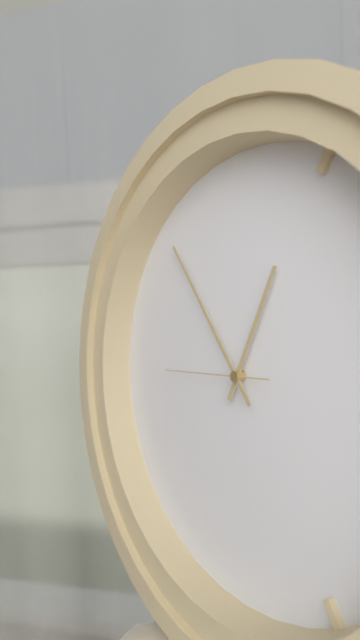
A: 12:54:45
